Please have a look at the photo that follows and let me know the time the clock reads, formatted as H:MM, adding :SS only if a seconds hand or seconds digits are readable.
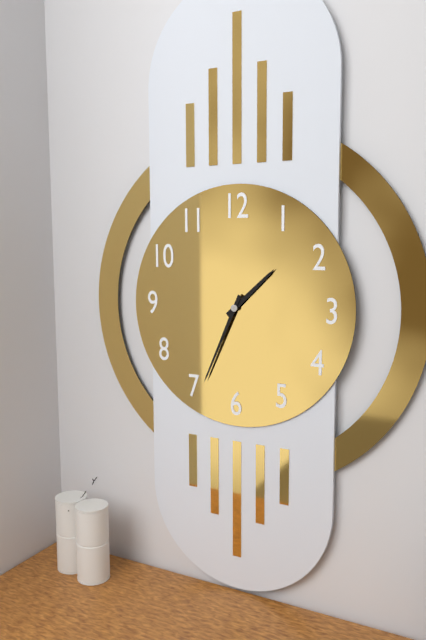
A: 1:34
